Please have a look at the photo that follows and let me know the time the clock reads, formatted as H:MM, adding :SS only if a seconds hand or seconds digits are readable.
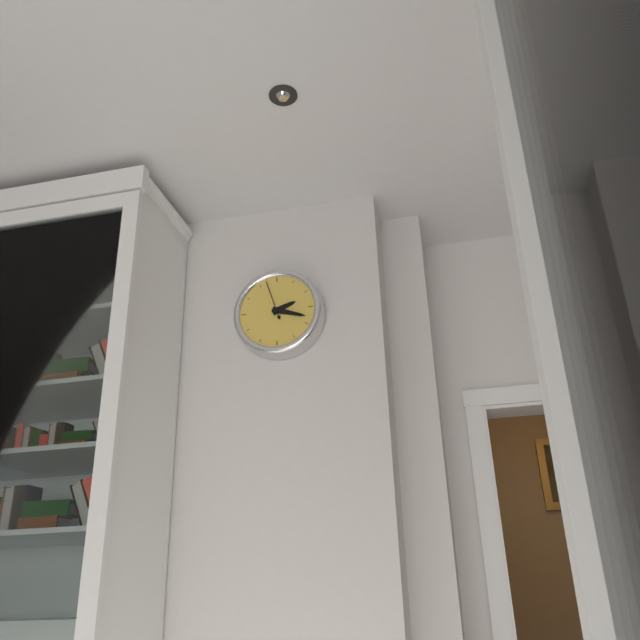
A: 2:18
